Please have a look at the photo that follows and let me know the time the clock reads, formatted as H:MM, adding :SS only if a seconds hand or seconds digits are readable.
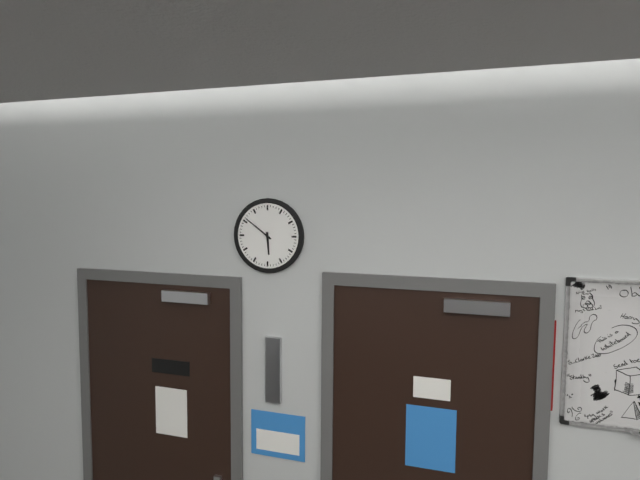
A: 5:51
